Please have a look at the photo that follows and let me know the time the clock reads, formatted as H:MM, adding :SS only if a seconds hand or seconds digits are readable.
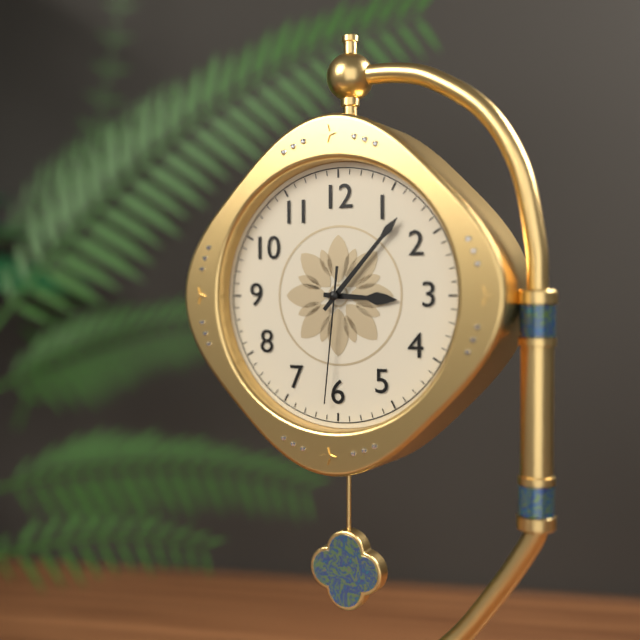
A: 3:07:31
